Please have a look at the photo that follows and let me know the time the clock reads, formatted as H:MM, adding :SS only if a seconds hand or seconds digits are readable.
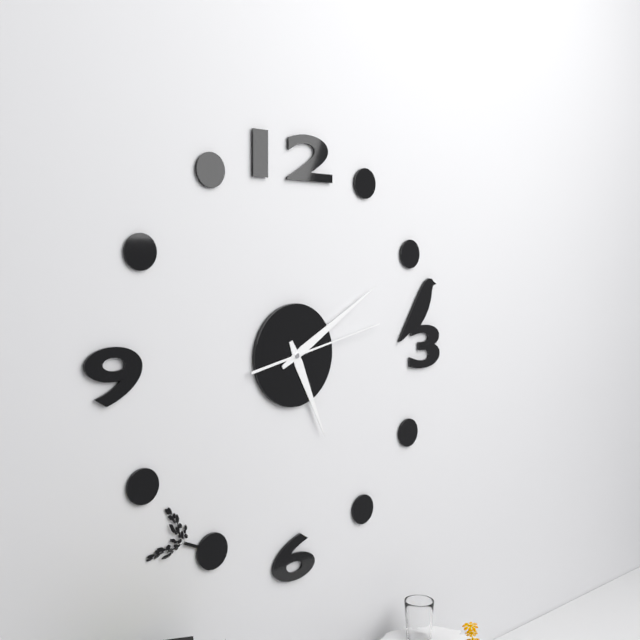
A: 5:10:13
